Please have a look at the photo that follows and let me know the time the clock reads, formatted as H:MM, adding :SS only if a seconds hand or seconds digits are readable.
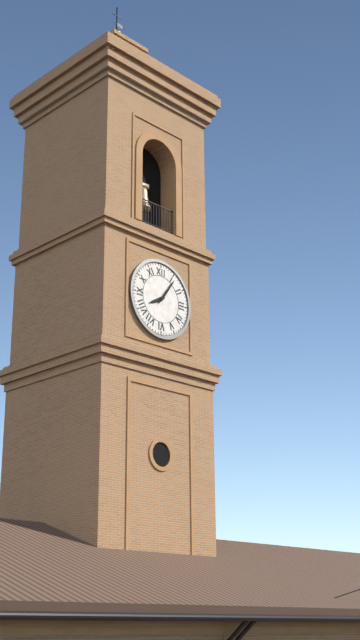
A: 8:06
